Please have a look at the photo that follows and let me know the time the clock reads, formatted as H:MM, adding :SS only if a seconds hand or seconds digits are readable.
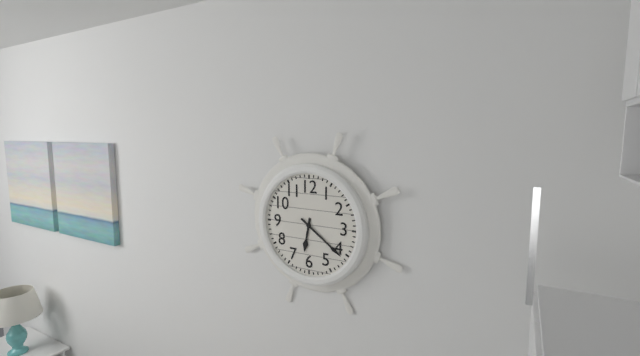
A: 6:21
